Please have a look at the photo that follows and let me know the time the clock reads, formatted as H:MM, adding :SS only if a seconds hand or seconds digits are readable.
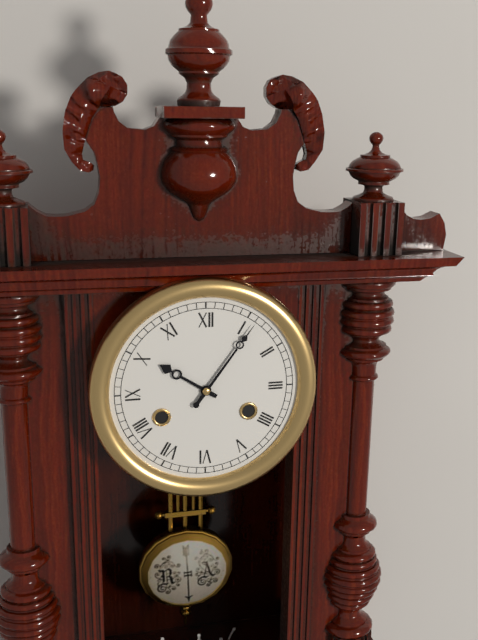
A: 10:06
